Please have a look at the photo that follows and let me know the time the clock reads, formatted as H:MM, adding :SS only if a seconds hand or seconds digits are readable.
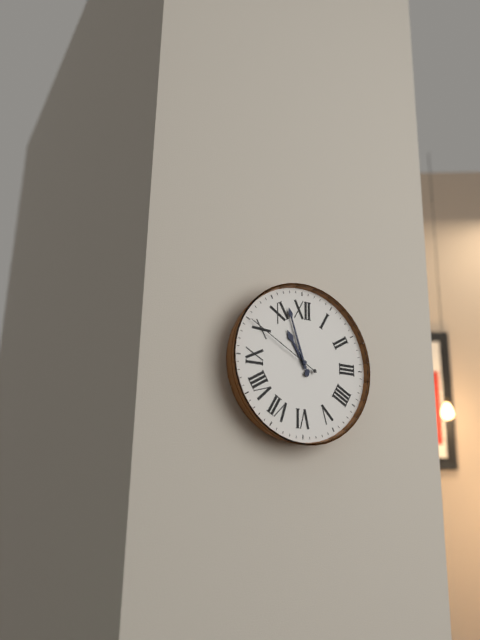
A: 10:57:50
